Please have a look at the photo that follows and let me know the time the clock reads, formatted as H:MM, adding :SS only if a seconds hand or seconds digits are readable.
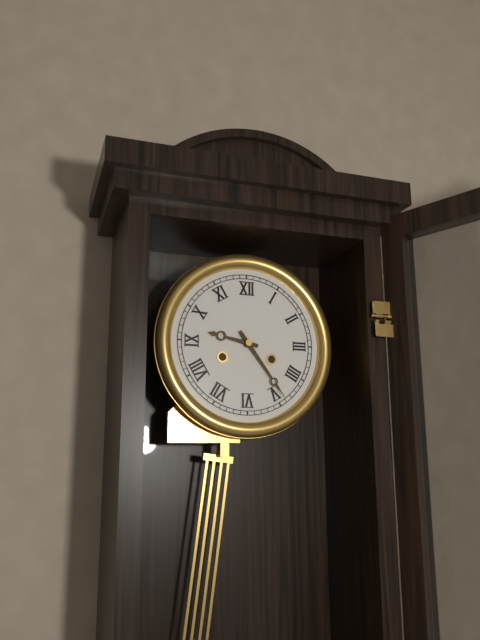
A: 9:24
